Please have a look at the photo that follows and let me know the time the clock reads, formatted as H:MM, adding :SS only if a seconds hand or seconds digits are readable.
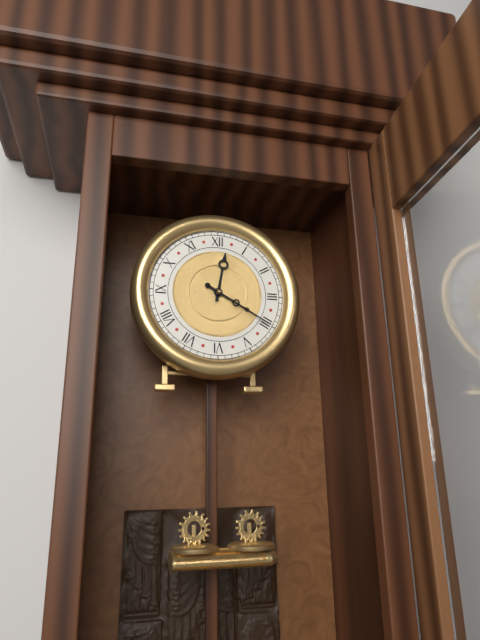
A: 12:20
